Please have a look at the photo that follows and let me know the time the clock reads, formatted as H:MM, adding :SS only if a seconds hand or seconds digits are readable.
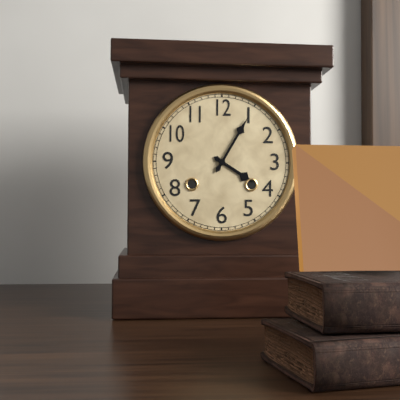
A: 4:05
